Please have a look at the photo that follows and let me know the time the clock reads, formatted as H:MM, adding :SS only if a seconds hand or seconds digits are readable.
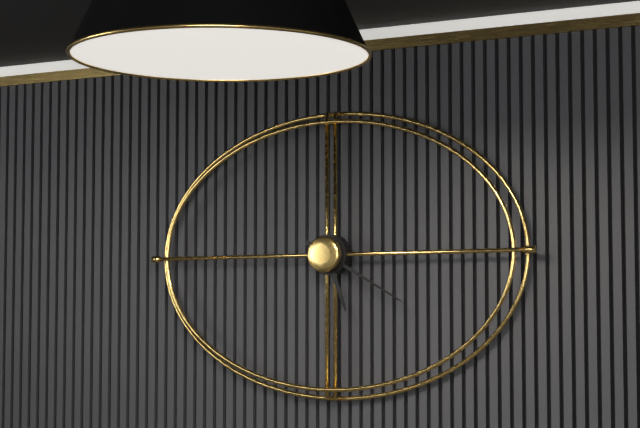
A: 5:20
